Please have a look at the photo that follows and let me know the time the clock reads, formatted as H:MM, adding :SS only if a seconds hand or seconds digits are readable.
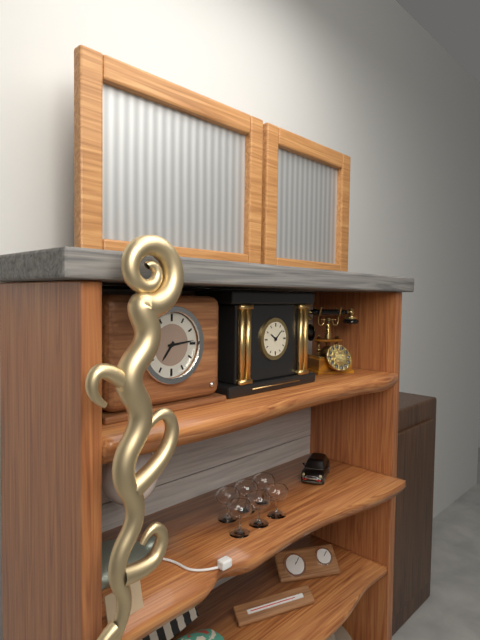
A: 7:14
